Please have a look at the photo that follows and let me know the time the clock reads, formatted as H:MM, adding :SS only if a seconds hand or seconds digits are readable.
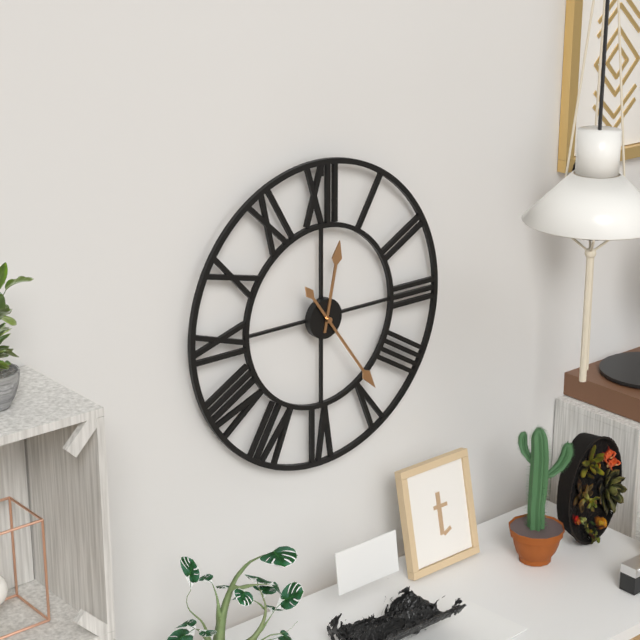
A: 12:24
